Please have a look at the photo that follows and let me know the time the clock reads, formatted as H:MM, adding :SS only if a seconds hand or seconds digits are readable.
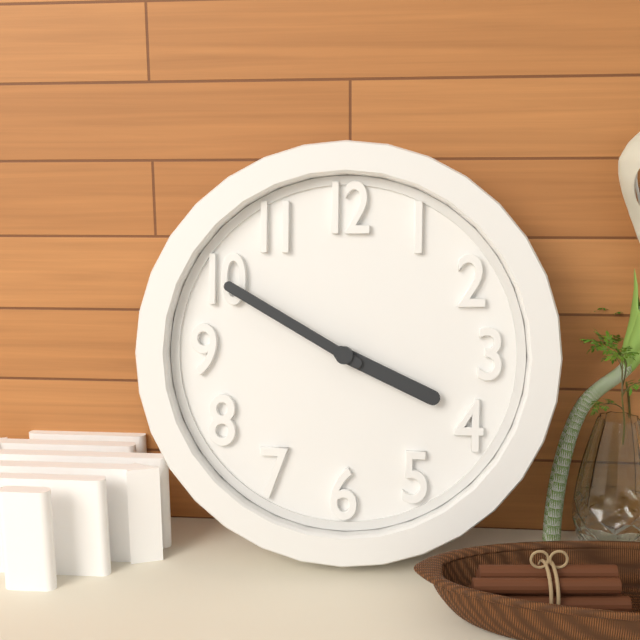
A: 3:50
